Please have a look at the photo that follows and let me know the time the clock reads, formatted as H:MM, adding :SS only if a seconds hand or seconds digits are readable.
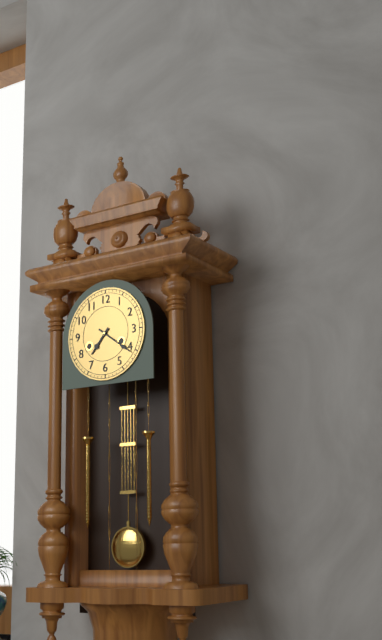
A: 7:21
